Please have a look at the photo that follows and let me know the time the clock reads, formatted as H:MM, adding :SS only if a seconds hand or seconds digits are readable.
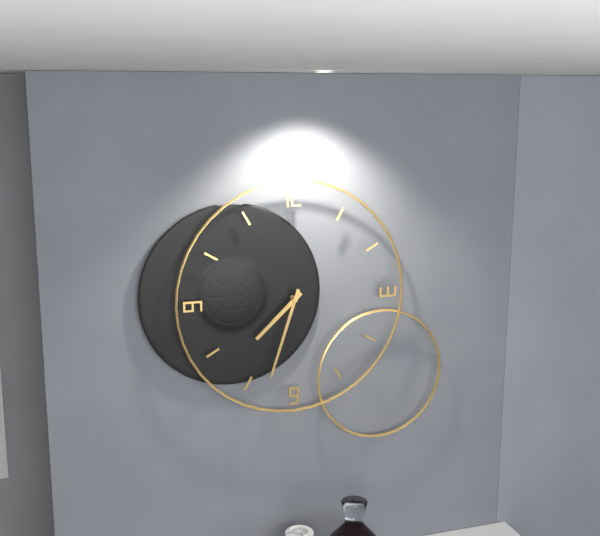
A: 7:33
